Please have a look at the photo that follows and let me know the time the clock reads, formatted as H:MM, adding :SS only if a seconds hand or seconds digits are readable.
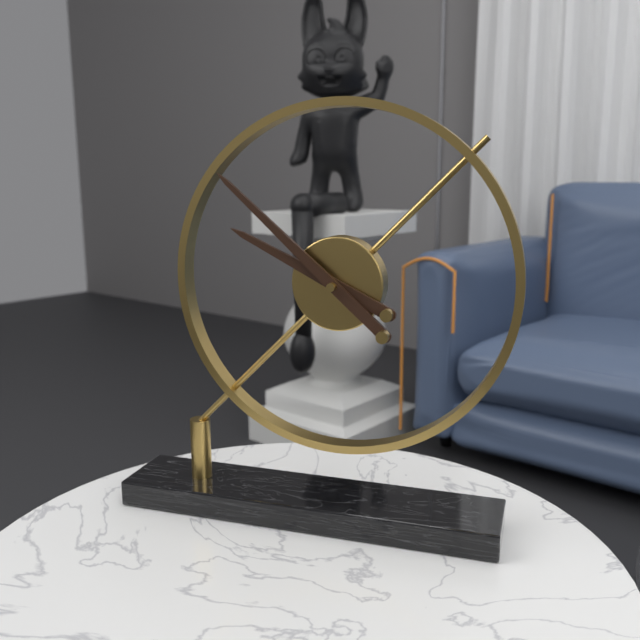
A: 9:52
